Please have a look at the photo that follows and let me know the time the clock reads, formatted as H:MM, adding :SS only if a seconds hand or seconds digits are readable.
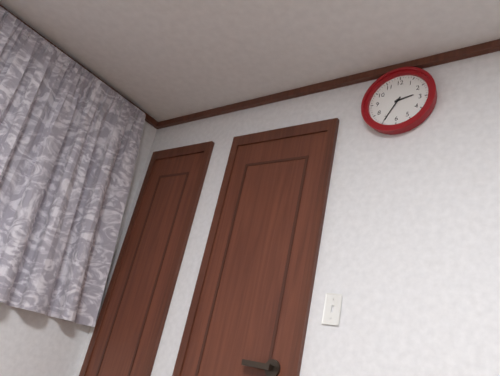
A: 2:35
